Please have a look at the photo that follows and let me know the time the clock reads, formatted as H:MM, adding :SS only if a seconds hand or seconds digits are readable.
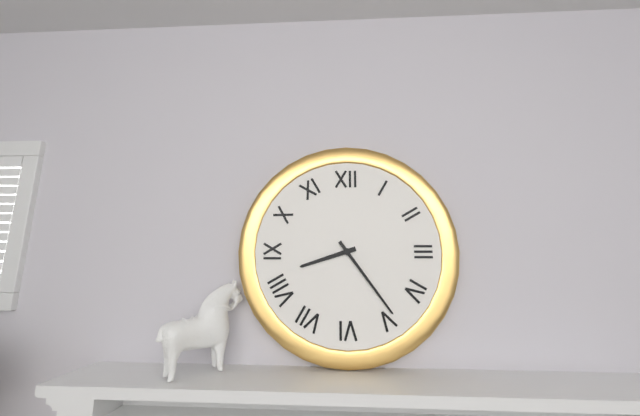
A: 8:24
